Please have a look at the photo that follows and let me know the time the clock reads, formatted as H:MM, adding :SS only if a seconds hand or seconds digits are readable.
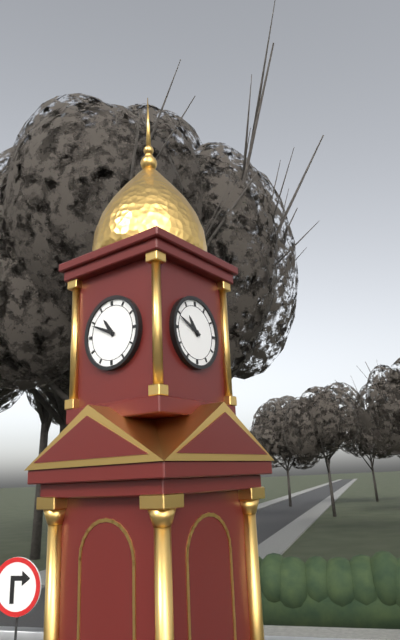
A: 10:49
